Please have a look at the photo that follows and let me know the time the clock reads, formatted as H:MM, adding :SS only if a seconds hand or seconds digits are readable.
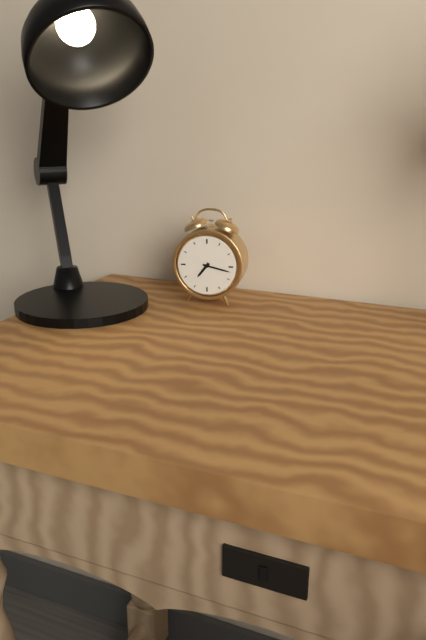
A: 7:17
